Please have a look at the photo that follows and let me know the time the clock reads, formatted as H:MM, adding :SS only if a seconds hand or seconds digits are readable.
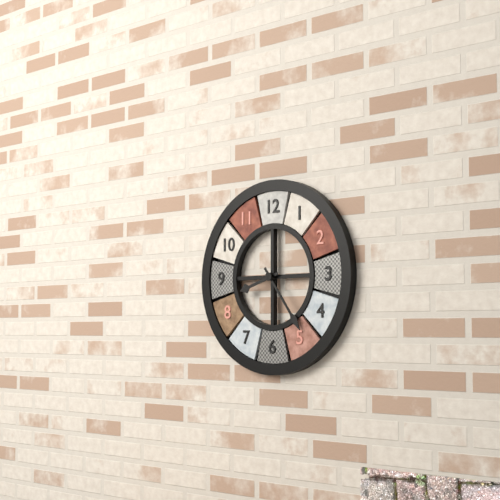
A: 8:24
